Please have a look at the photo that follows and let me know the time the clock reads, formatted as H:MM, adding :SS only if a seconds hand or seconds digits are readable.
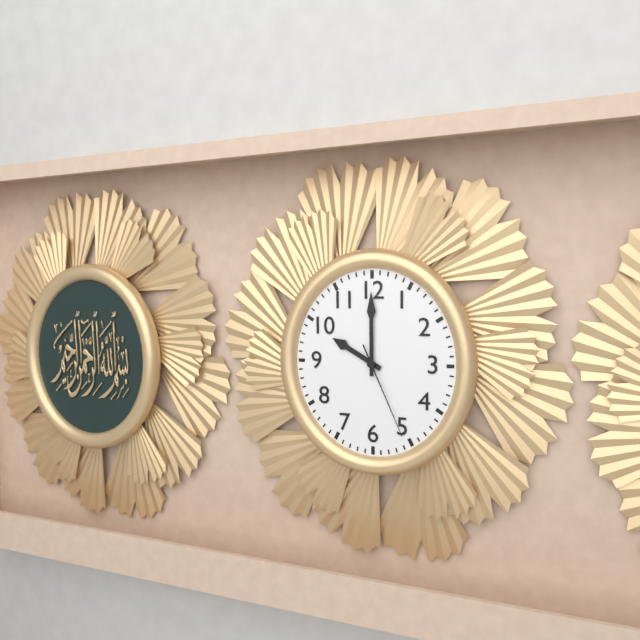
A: 10:00:26
